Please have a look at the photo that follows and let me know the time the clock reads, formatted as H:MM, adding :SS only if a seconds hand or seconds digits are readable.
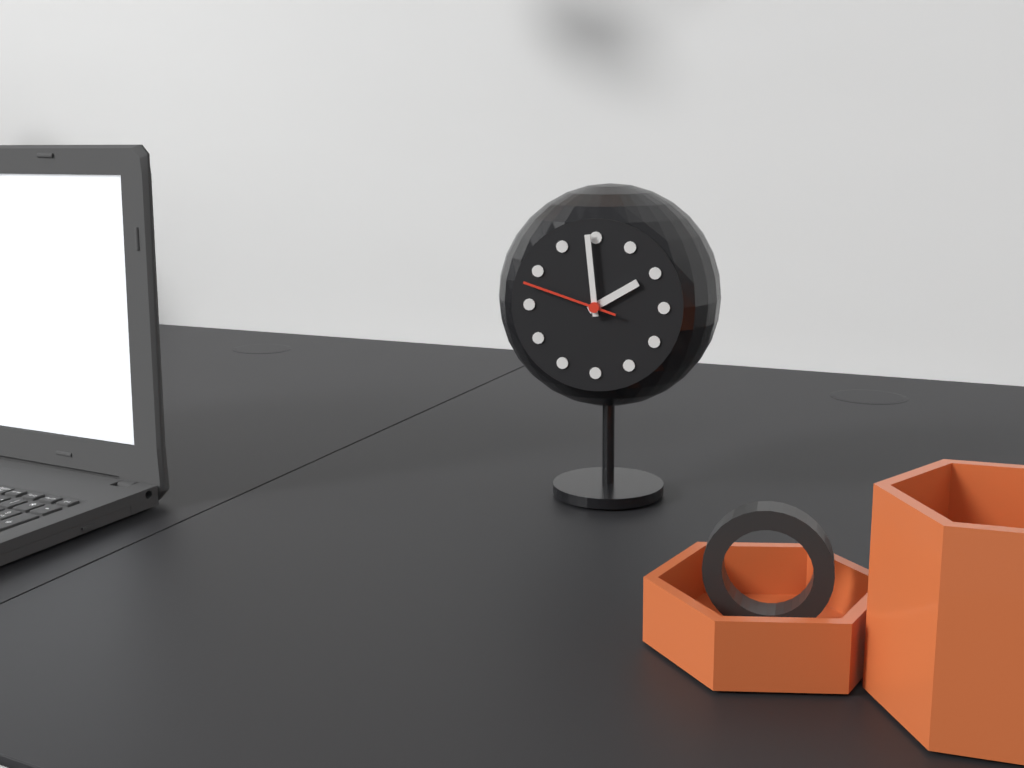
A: 1:59:48
